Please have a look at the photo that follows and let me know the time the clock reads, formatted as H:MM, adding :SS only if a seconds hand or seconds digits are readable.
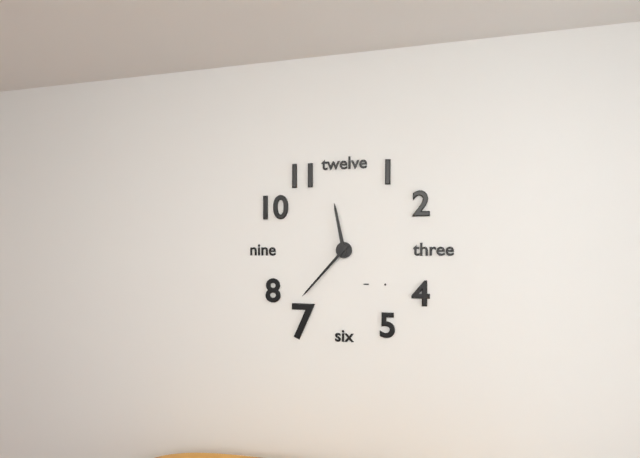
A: 11:37
